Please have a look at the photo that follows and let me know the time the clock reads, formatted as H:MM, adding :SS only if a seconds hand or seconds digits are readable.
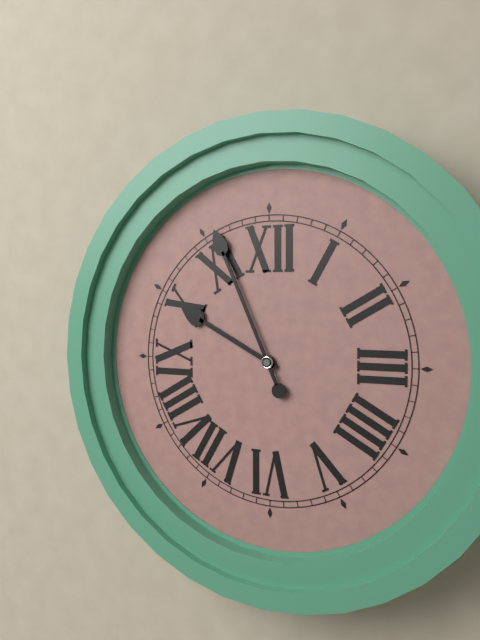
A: 9:56
